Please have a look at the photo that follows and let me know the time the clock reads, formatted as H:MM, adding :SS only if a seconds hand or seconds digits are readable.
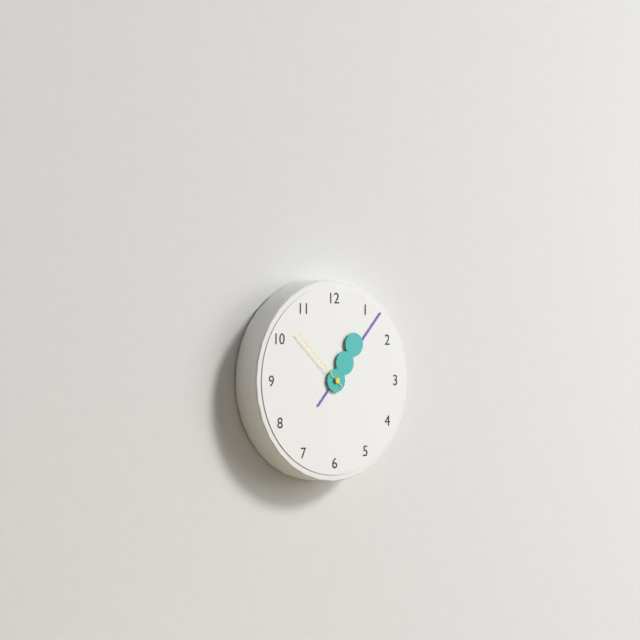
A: 1:07:52
